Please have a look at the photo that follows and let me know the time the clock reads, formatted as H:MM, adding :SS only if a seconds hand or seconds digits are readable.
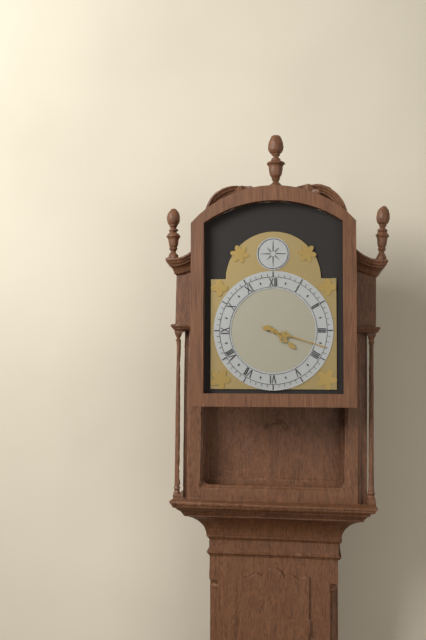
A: 4:18
